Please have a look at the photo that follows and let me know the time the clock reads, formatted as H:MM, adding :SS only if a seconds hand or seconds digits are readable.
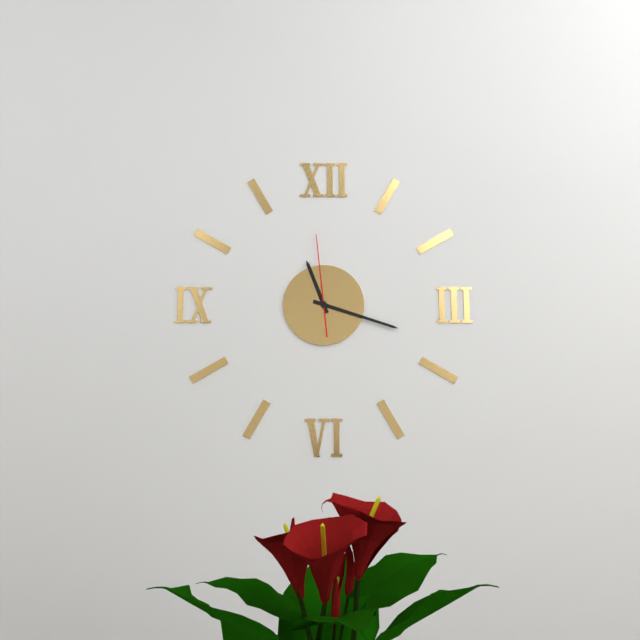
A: 11:18:59
